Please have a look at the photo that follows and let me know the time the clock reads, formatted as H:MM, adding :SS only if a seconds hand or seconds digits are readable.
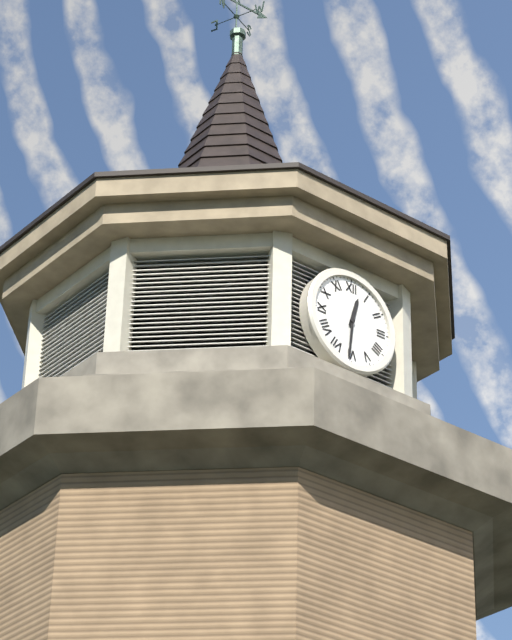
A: 12:31
